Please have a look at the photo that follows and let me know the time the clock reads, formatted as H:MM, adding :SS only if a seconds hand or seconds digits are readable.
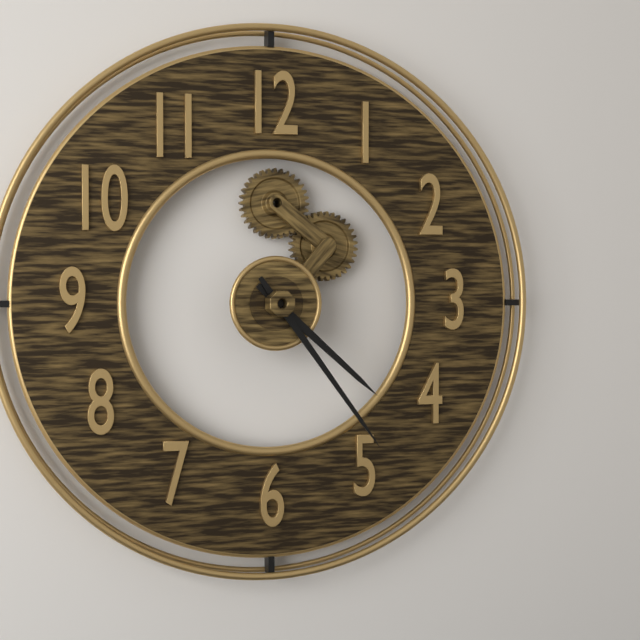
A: 4:24
